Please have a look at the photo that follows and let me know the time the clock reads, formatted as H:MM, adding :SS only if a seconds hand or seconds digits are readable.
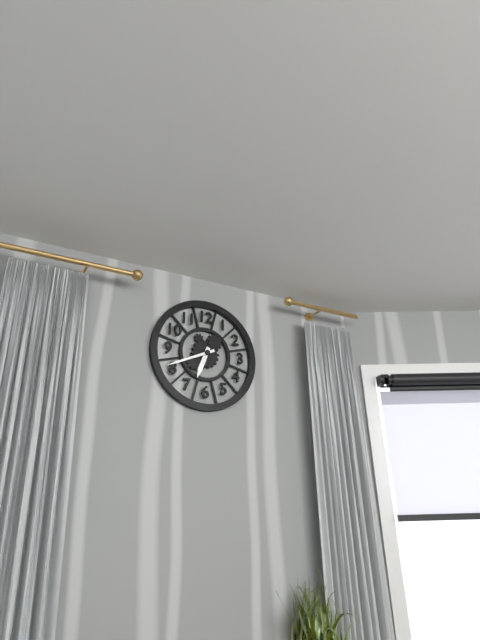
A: 6:41
